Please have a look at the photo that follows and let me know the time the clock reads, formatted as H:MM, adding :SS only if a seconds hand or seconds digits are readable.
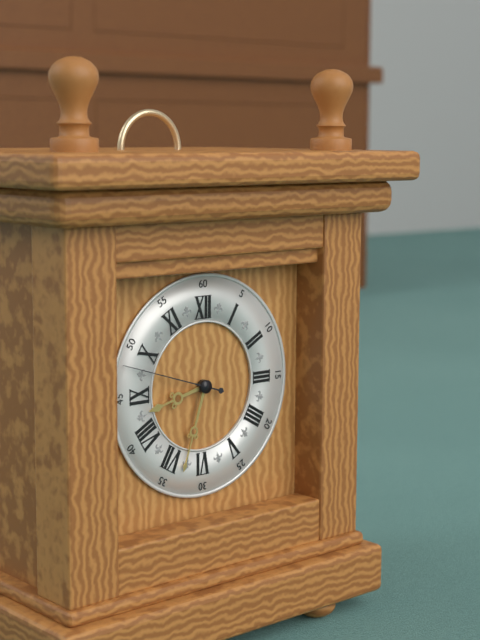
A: 8:33:48
